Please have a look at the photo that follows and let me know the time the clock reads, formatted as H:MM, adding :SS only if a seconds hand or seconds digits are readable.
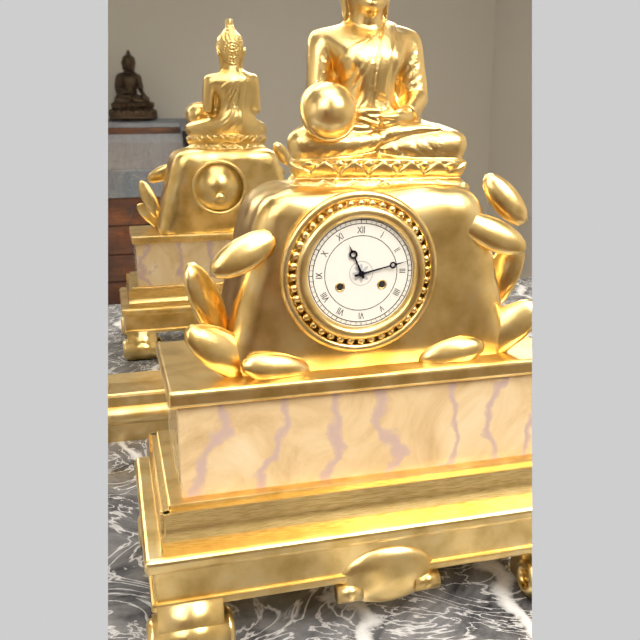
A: 11:13
